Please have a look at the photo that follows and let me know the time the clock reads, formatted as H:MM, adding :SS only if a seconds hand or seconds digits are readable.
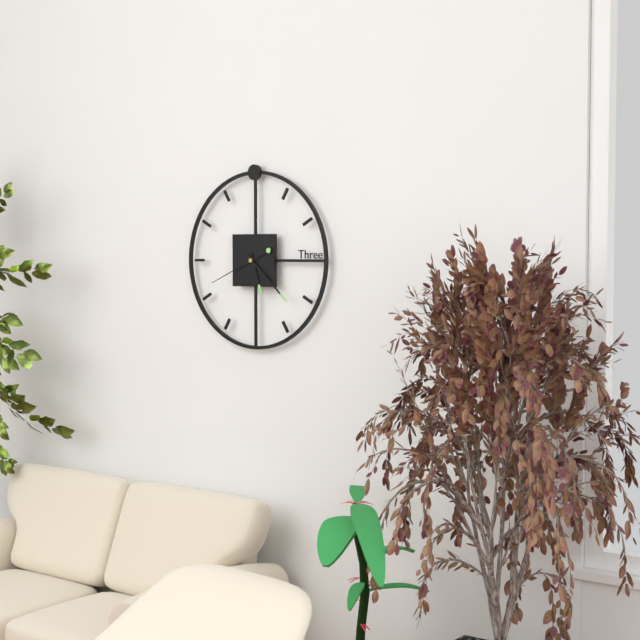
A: 5:22:41
